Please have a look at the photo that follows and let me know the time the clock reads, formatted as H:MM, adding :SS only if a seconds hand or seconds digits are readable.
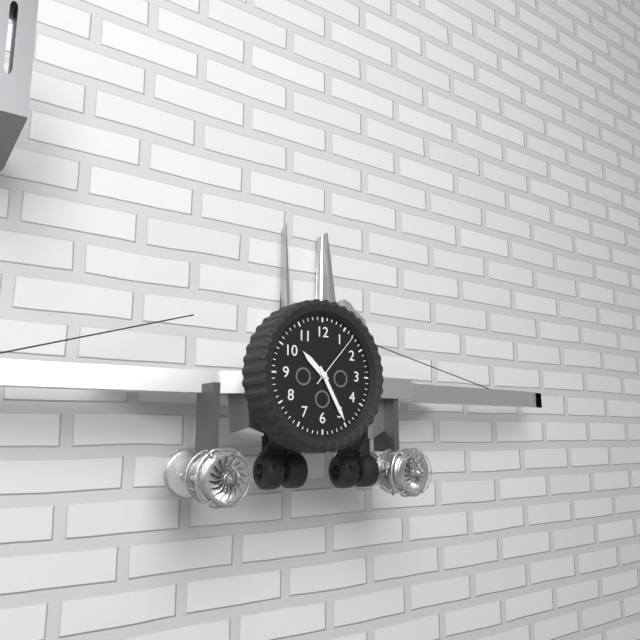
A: 10:25:07
